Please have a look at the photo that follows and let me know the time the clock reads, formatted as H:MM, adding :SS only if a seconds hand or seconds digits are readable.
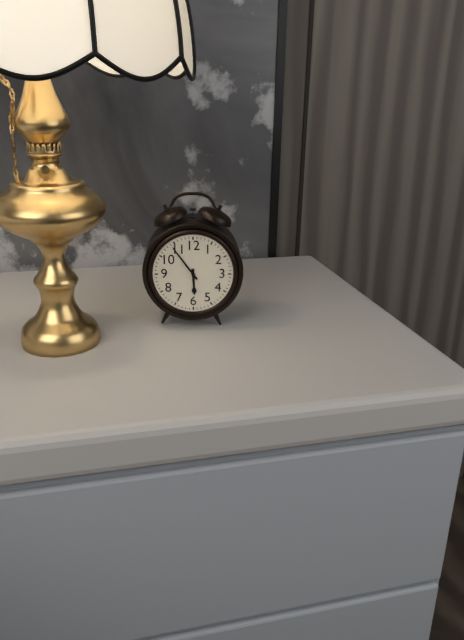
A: 5:54
